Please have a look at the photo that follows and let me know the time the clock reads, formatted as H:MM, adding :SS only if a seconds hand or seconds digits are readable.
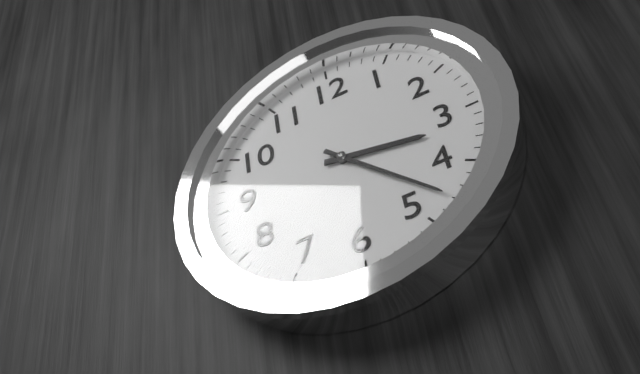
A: 3:23
